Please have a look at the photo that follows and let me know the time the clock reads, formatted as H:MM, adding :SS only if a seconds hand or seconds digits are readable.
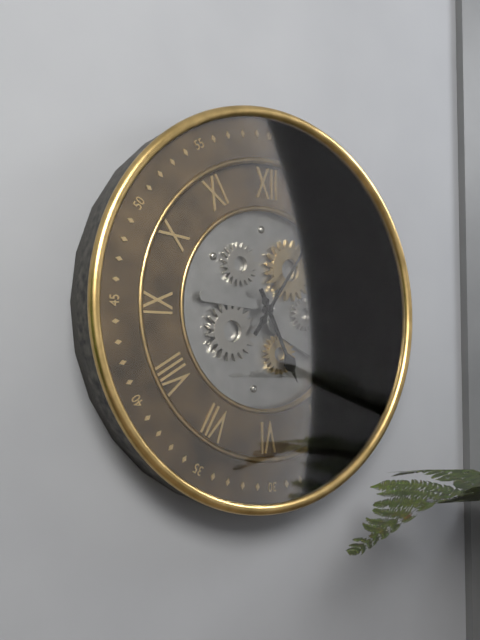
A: 5:06
